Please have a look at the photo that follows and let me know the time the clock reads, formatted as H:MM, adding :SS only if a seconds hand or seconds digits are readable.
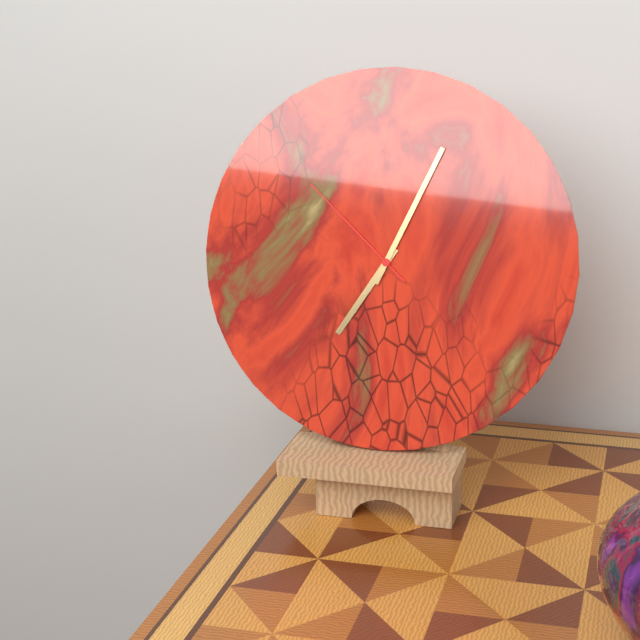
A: 7:04:52
